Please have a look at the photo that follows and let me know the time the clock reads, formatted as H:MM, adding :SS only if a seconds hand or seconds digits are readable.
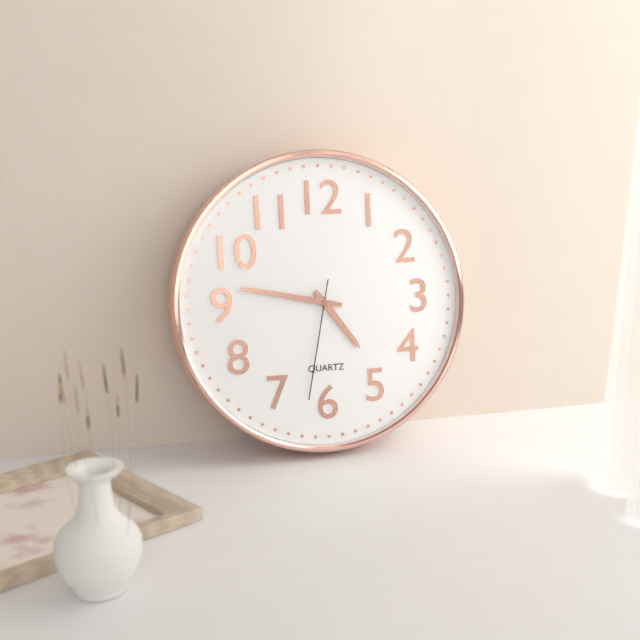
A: 4:47:32
